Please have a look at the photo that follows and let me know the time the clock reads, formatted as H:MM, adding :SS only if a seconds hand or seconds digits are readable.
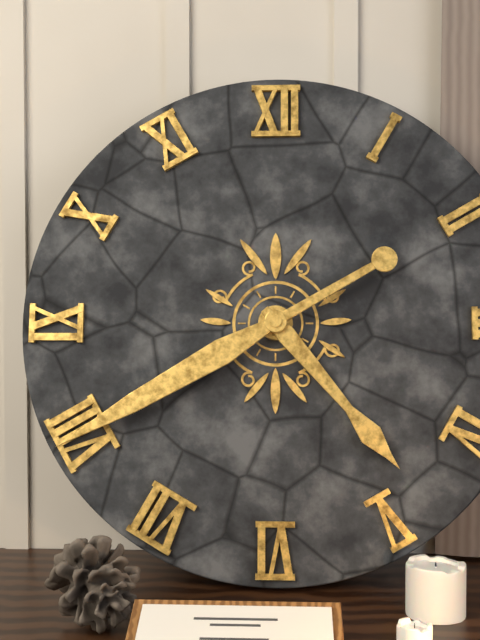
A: 4:40
